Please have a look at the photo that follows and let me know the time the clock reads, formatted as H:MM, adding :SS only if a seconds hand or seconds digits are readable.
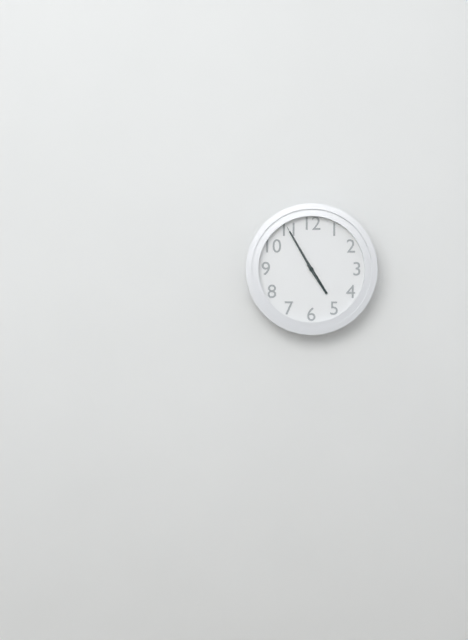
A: 4:55:55
